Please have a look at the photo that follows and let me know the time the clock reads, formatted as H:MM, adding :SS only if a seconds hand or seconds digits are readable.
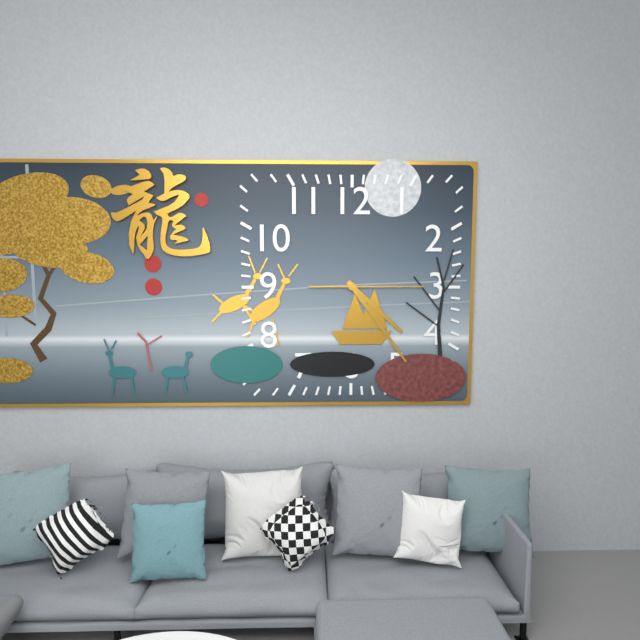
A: 4:24:15
